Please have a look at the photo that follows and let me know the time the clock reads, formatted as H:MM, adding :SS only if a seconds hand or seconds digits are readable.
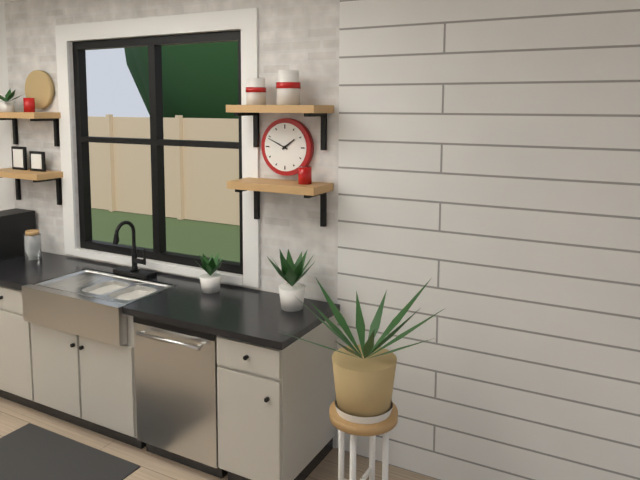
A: 1:49
